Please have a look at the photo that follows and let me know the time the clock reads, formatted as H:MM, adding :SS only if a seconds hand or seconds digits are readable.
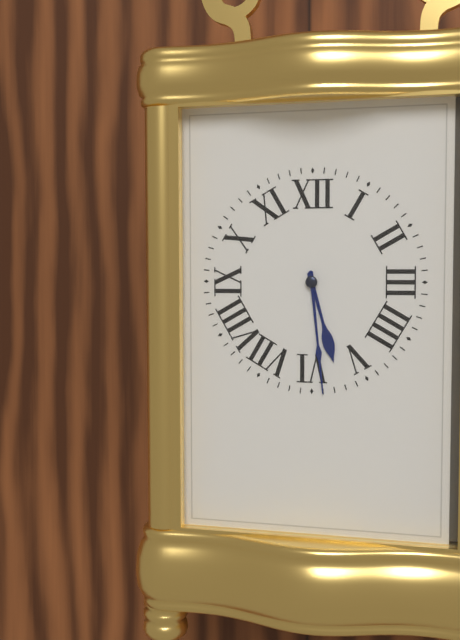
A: 5:29
